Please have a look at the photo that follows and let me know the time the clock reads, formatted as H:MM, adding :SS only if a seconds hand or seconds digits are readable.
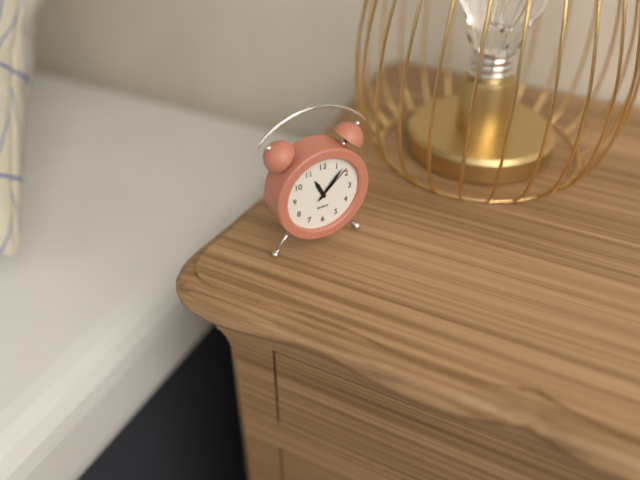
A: 11:07
